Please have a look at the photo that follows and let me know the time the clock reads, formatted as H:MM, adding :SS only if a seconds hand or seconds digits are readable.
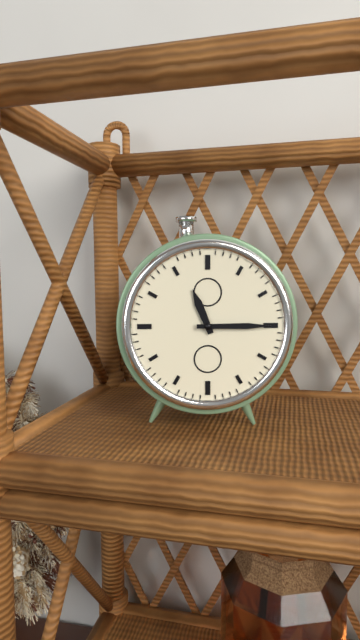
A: 11:15
